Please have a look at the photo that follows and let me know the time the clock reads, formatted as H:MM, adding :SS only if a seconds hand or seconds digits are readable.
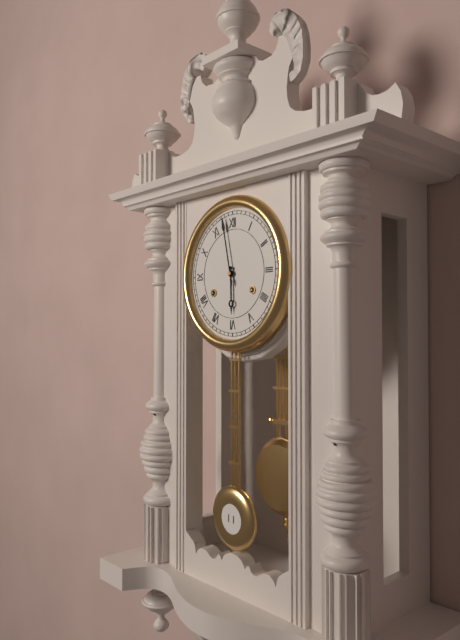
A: 5:58
